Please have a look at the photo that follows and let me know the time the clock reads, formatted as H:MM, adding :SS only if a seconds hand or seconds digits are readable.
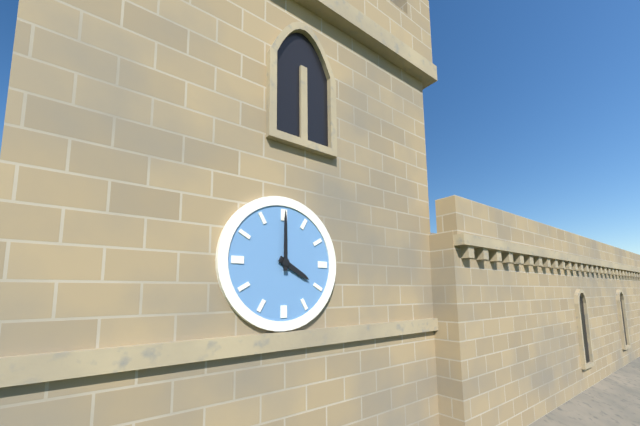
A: 4:00
